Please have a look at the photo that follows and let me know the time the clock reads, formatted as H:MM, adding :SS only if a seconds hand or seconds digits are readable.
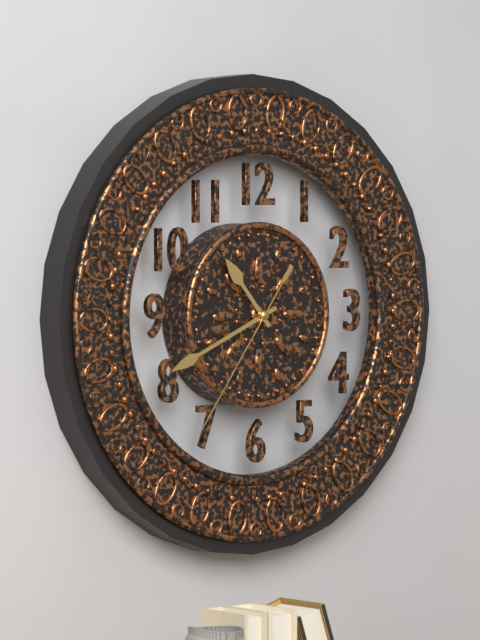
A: 10:41:36
